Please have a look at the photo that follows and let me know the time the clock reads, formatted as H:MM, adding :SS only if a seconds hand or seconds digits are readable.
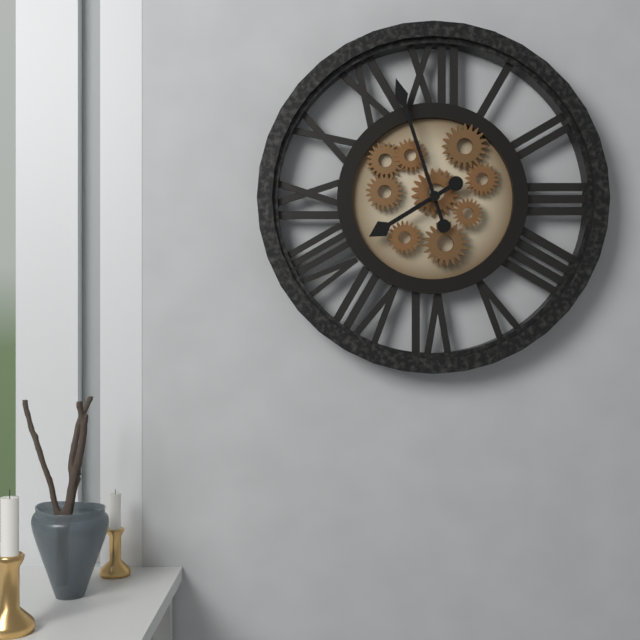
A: 7:57
